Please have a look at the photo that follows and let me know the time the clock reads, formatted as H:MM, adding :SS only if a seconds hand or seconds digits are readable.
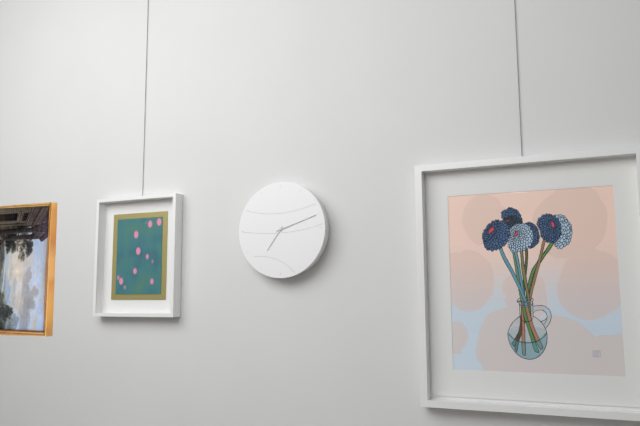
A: 7:12
